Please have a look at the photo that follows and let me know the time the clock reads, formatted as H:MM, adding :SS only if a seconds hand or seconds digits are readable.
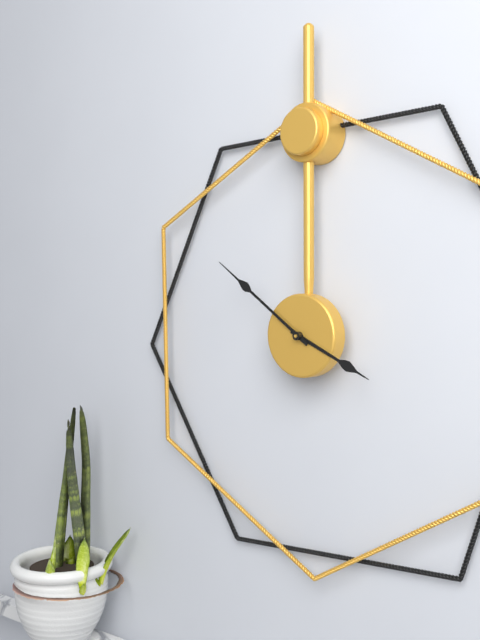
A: 3:51
